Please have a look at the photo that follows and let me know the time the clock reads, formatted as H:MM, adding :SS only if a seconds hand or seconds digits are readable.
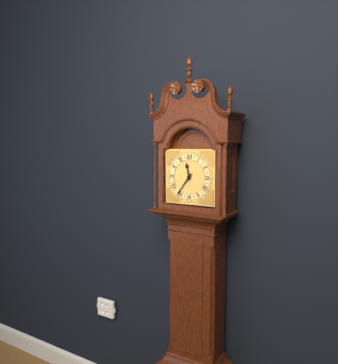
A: 11:36
